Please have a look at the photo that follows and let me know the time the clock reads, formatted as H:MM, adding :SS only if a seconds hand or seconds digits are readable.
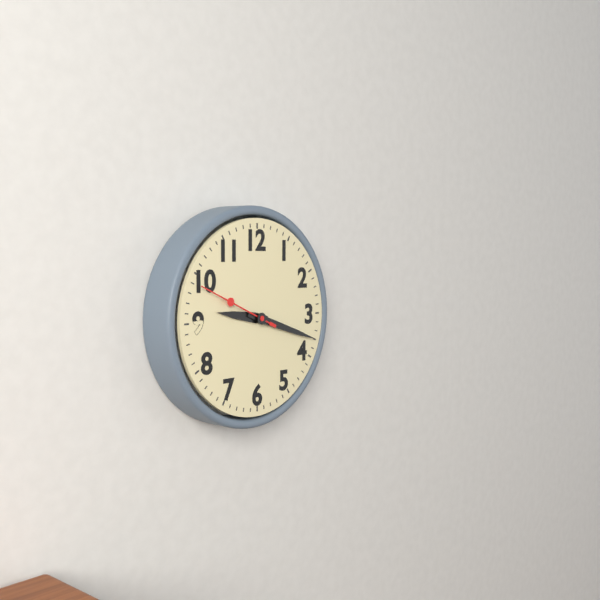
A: 9:18:49
